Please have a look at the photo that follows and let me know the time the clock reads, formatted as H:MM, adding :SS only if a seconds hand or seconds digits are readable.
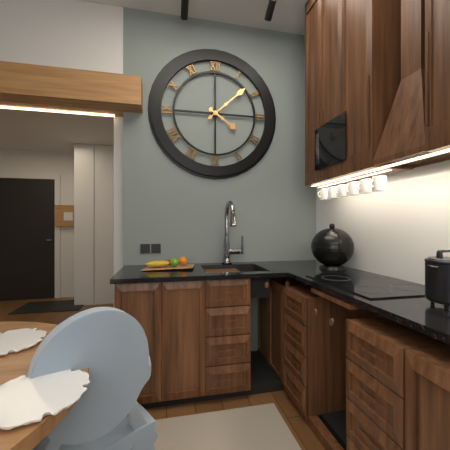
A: 4:08
